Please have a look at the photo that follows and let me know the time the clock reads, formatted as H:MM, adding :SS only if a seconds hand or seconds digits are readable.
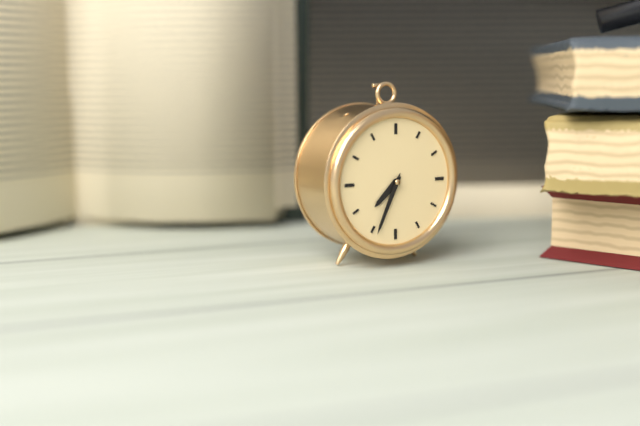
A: 7:34
